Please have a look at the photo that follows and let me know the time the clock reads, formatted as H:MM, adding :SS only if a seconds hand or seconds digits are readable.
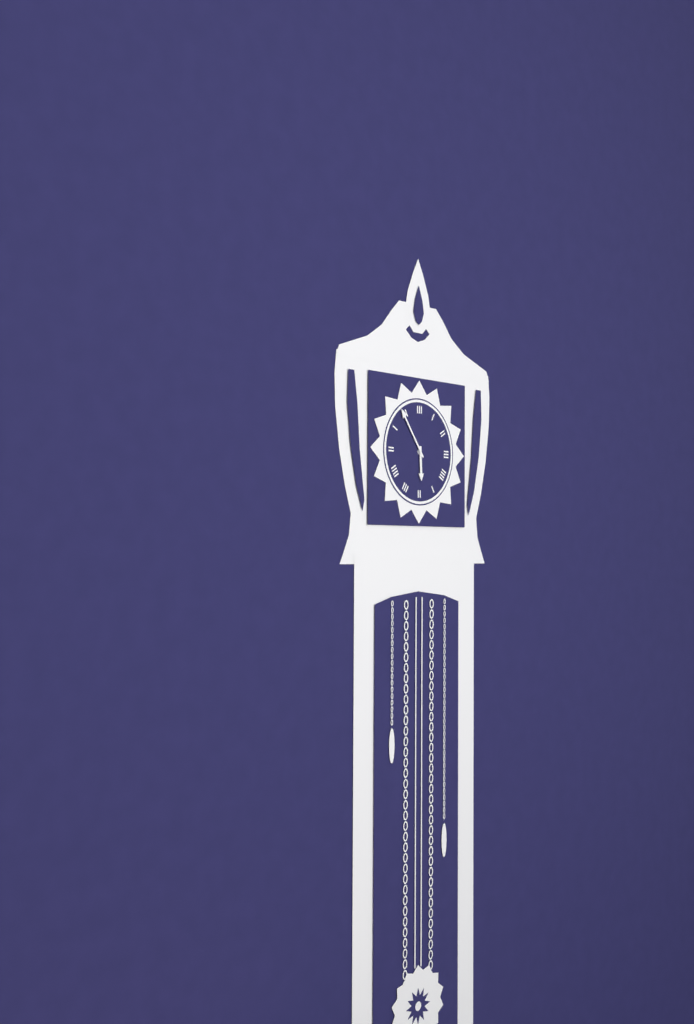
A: 5:54
